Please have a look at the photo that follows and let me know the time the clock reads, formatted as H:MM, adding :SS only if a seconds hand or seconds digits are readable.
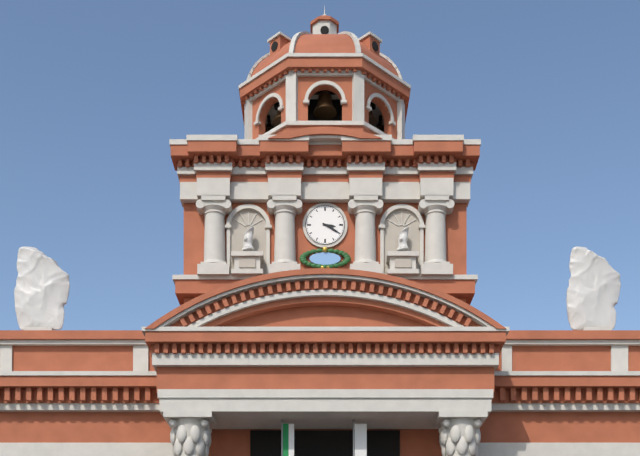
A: 3:20
